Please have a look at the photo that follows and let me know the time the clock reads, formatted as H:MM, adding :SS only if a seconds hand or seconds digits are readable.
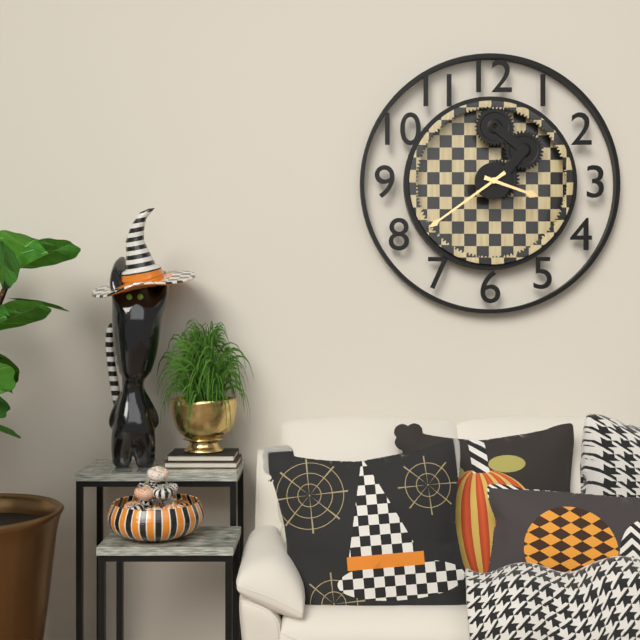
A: 3:39
